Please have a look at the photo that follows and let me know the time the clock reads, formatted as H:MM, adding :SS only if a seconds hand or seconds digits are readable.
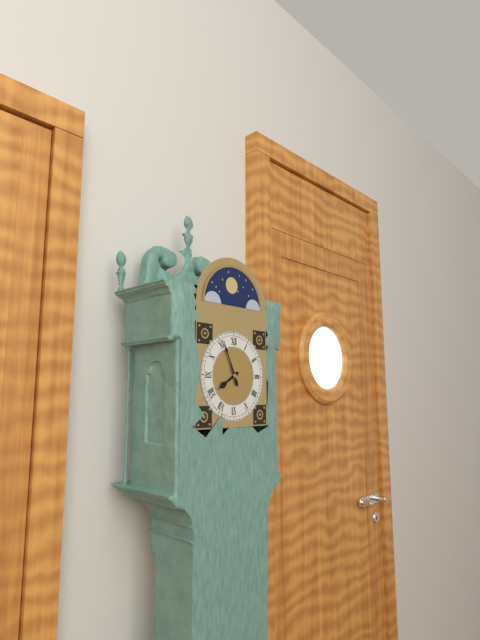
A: 7:56
